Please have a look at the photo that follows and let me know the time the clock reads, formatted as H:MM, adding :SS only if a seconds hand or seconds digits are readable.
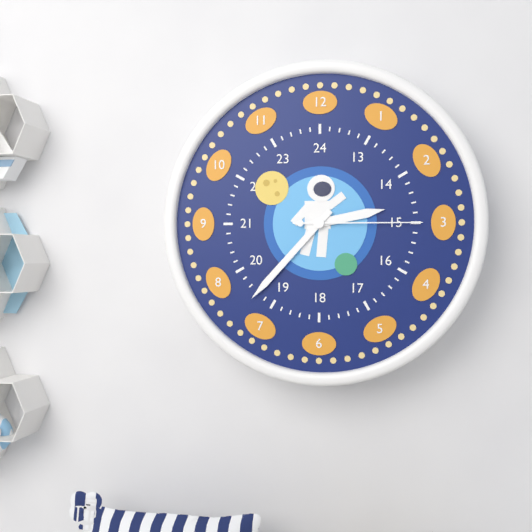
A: 2:37:15
